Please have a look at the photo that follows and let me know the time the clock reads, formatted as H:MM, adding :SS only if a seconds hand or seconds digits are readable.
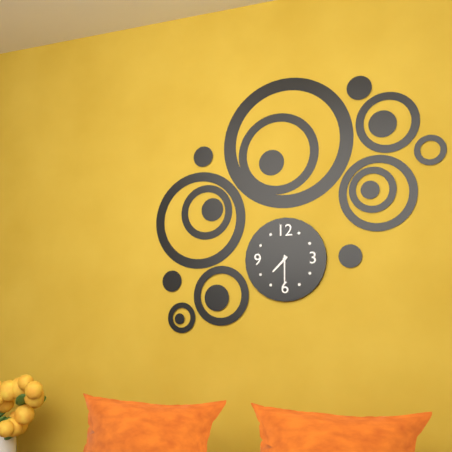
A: 7:30
